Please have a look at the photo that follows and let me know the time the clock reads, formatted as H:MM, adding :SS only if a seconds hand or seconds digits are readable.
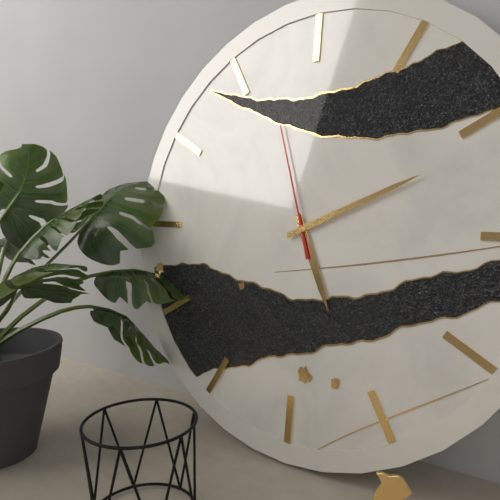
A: 5:11:57
